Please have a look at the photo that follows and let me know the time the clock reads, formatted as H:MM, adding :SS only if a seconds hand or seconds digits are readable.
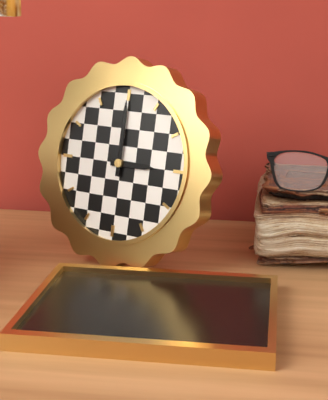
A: 3:00
